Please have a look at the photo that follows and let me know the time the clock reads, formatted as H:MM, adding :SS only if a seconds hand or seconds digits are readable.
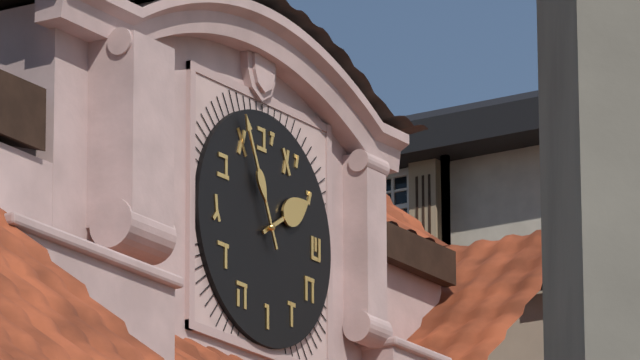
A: 1:56
